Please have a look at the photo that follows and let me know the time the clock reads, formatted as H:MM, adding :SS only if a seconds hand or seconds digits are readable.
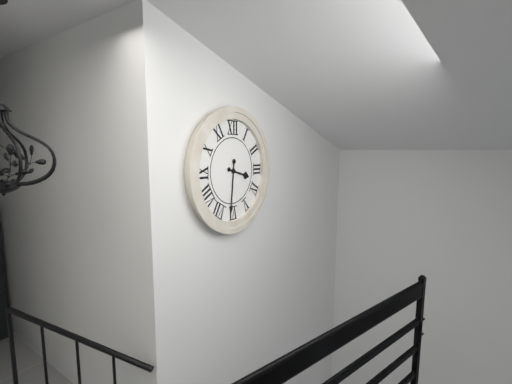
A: 3:31
